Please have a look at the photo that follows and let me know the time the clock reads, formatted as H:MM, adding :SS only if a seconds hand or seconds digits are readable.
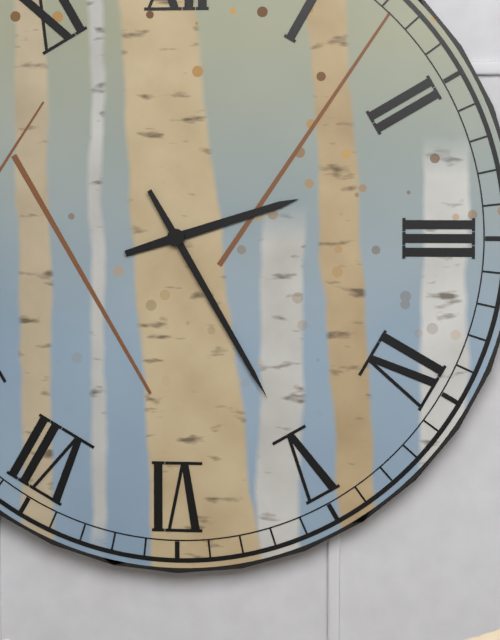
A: 2:25
